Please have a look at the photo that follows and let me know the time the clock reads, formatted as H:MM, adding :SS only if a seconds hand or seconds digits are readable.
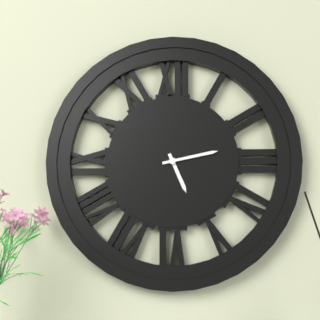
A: 5:13
